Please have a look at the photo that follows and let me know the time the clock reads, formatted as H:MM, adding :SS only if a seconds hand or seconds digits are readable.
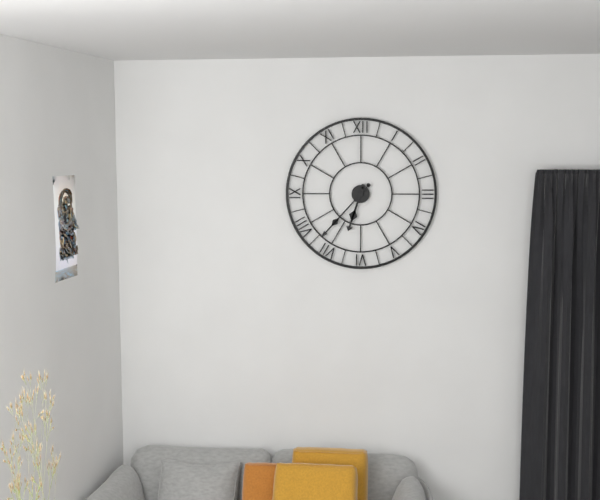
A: 6:37
